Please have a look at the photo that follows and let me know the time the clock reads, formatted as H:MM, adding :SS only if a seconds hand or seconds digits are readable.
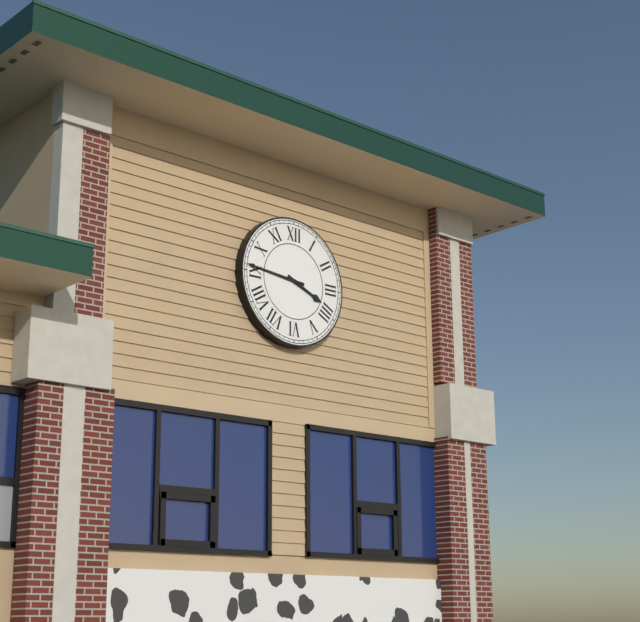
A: 3:46
